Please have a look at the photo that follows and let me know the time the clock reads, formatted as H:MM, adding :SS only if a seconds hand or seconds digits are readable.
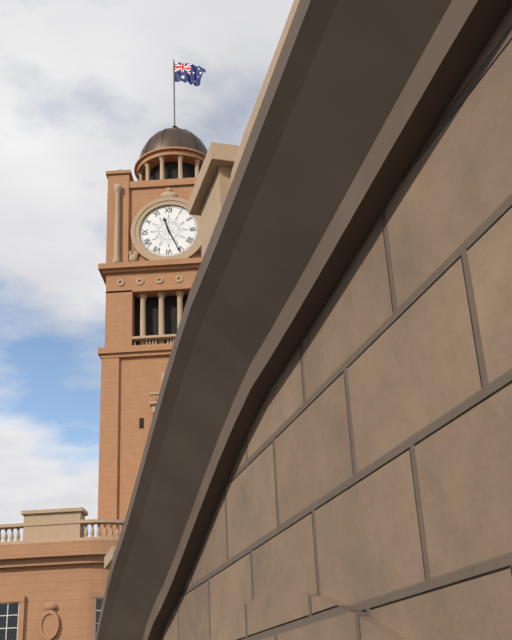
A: 11:26
